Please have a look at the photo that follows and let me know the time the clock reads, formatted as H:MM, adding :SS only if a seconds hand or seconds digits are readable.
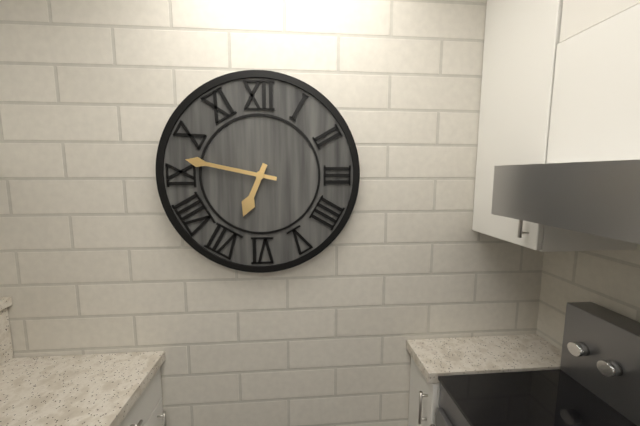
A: 6:47
